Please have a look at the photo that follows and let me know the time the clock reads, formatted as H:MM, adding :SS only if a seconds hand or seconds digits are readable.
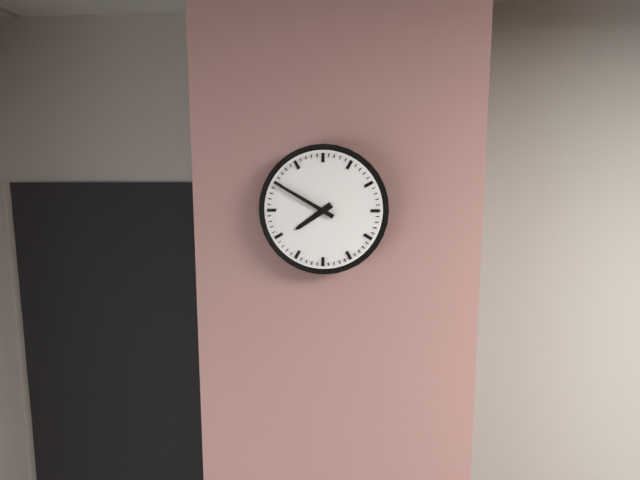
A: 7:50
